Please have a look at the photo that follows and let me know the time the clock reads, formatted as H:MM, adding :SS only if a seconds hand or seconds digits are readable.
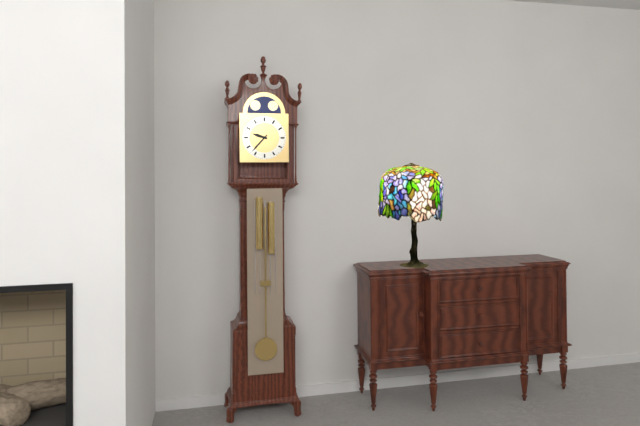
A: 9:37
